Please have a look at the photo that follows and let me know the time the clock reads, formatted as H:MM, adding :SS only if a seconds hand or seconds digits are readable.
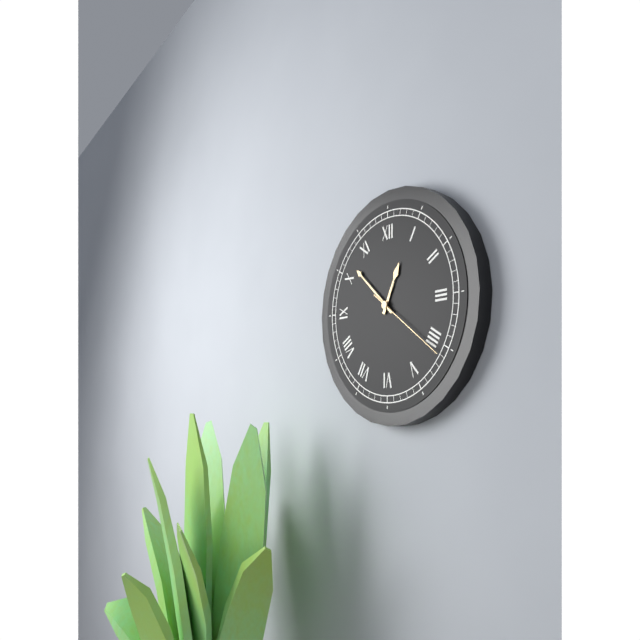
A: 12:52:21
